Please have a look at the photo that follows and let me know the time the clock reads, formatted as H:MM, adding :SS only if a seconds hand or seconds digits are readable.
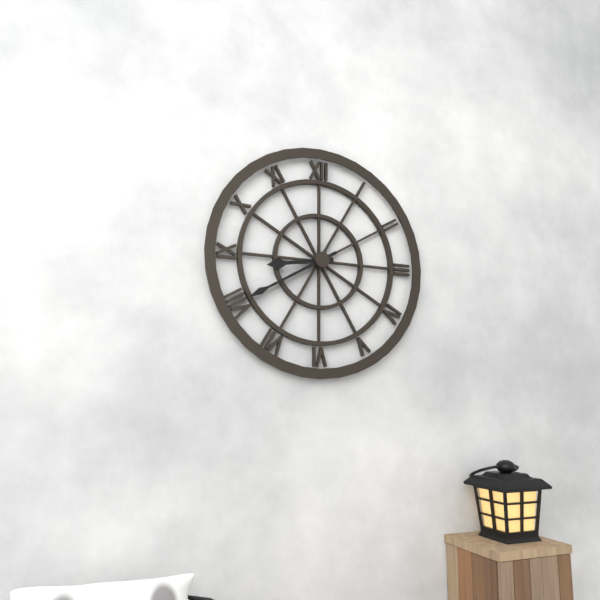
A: 8:40
